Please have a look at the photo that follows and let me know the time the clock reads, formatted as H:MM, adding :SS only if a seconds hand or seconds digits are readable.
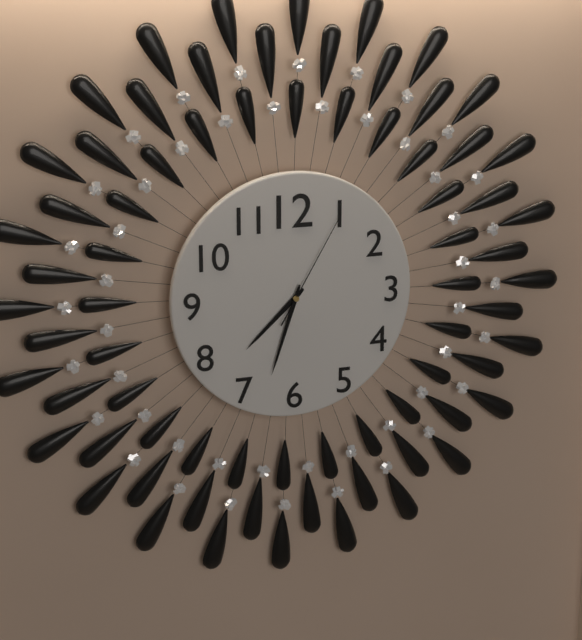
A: 7:33:05
